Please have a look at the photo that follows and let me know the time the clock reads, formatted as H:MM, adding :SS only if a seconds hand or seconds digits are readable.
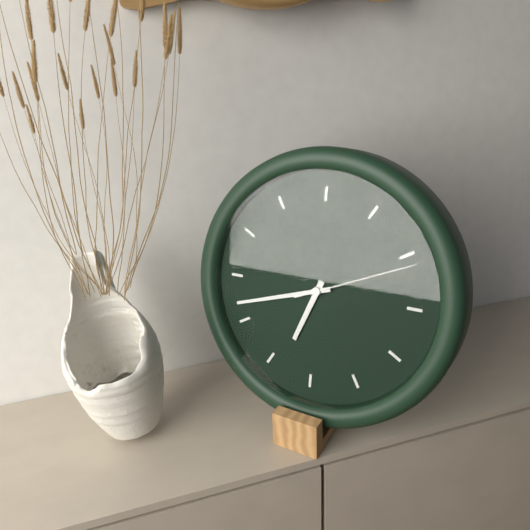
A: 6:42:11
